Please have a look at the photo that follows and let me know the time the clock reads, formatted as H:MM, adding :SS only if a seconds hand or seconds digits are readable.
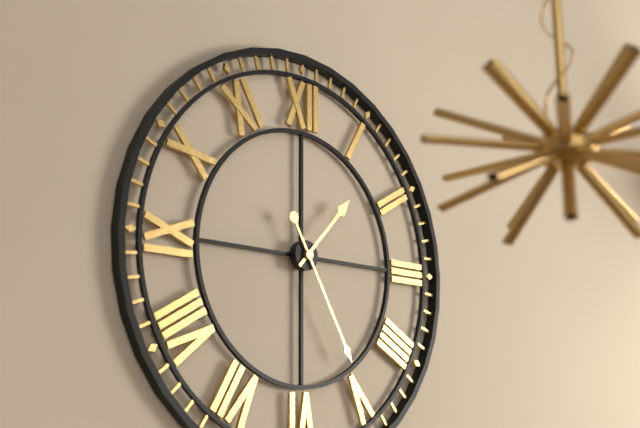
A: 1:25
